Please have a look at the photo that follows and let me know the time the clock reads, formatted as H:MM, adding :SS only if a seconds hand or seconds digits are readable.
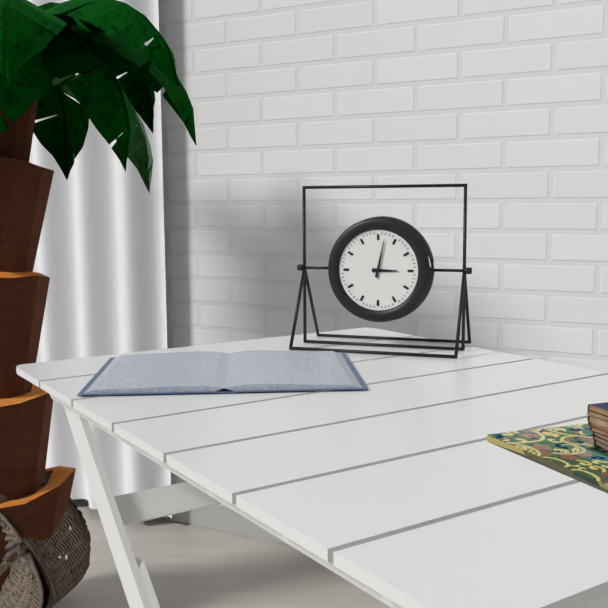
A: 3:02
